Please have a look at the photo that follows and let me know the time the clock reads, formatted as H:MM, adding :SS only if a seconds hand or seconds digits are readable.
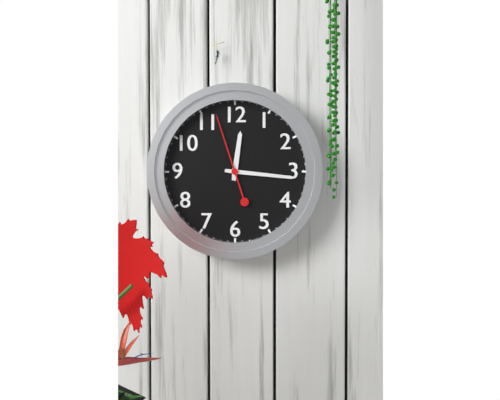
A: 12:16:57
